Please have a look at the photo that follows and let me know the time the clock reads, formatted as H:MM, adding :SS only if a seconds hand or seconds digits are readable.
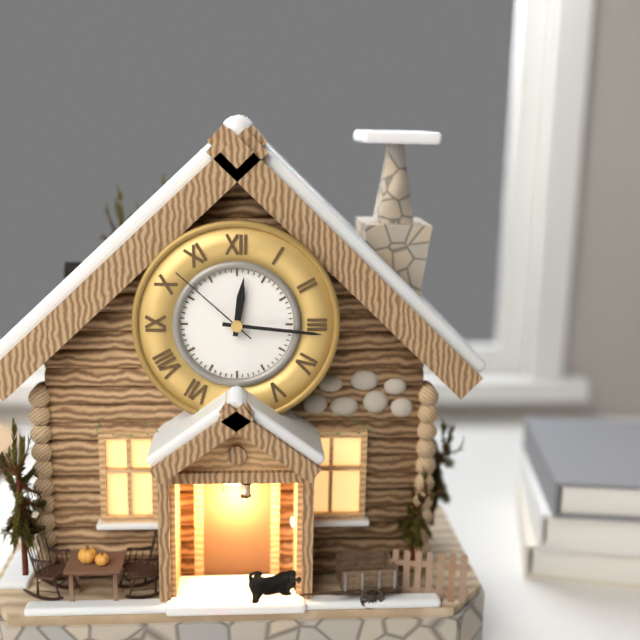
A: 12:16:52
